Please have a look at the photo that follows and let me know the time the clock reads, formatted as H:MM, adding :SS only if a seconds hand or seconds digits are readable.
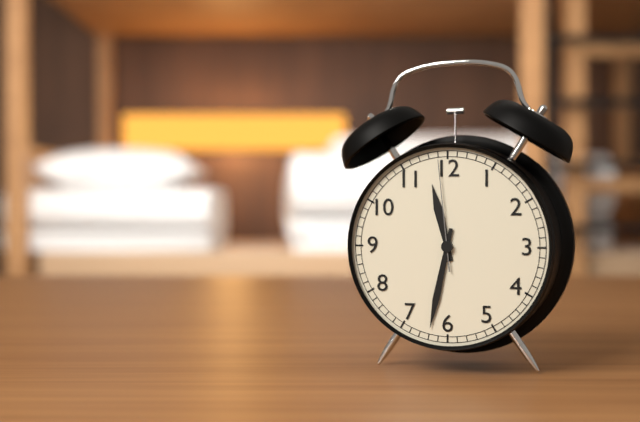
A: 11:32:59
